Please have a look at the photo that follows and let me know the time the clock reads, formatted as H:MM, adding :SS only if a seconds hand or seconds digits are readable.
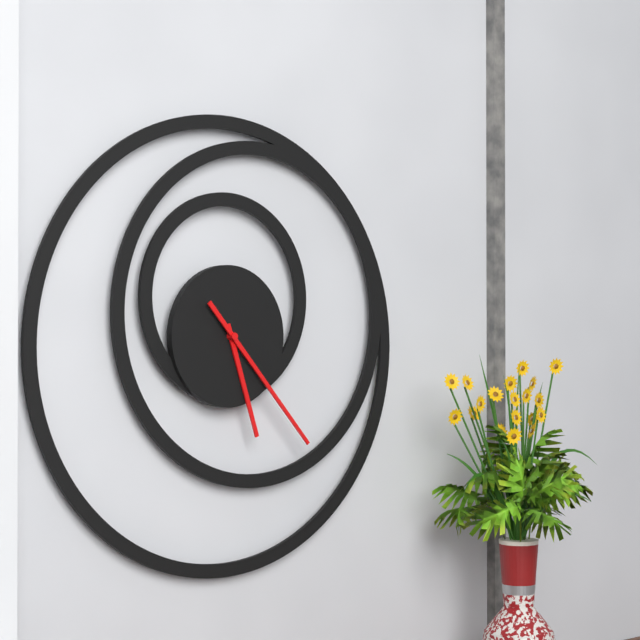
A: 5:23
